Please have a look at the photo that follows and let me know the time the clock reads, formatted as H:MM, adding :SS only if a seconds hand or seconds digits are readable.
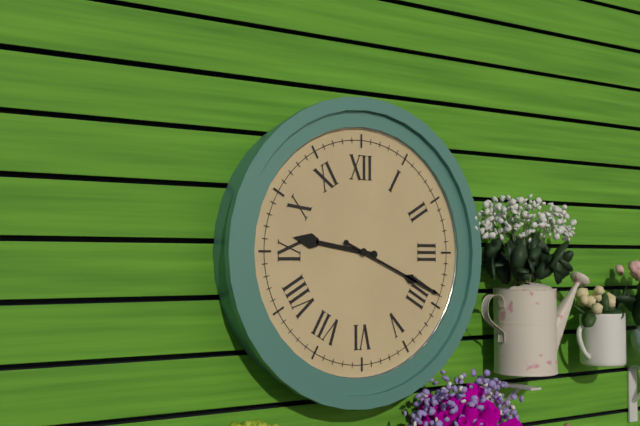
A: 9:19
